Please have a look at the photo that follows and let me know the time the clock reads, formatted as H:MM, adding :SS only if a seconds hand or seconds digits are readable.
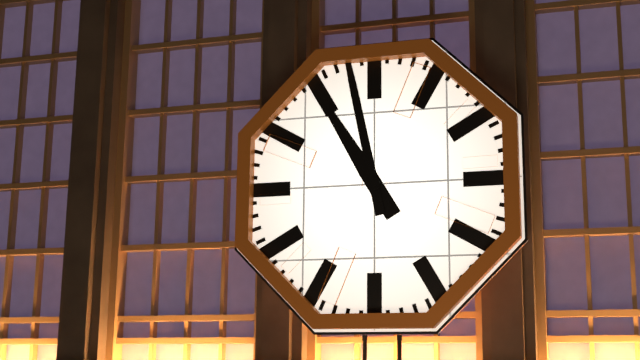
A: 10:58
